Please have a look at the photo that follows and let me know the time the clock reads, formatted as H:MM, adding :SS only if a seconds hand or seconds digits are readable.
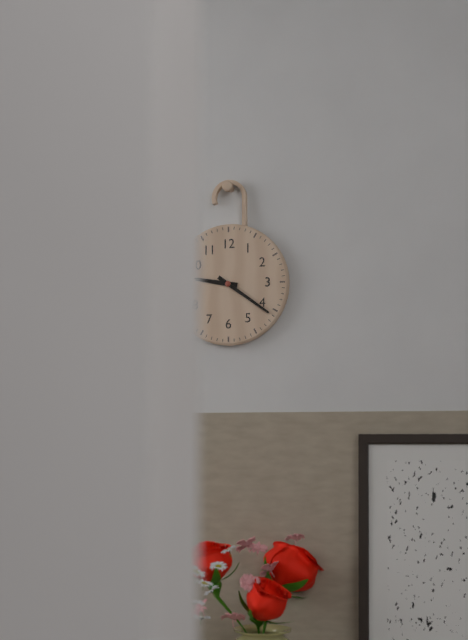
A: 9:21
